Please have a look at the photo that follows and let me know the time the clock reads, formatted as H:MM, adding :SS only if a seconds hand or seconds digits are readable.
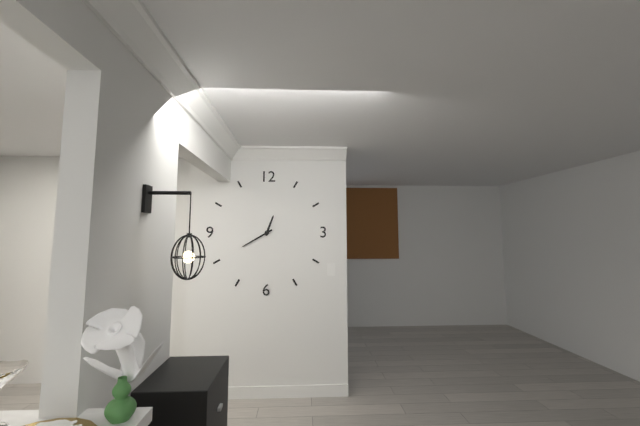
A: 12:40
